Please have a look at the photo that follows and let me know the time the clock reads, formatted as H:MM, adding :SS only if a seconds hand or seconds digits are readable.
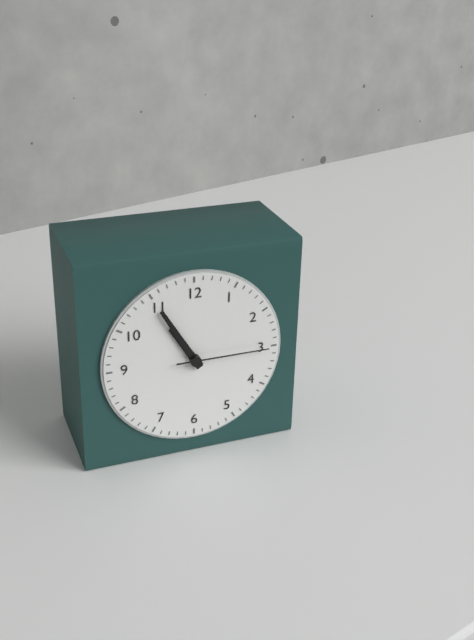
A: 10:55:15
